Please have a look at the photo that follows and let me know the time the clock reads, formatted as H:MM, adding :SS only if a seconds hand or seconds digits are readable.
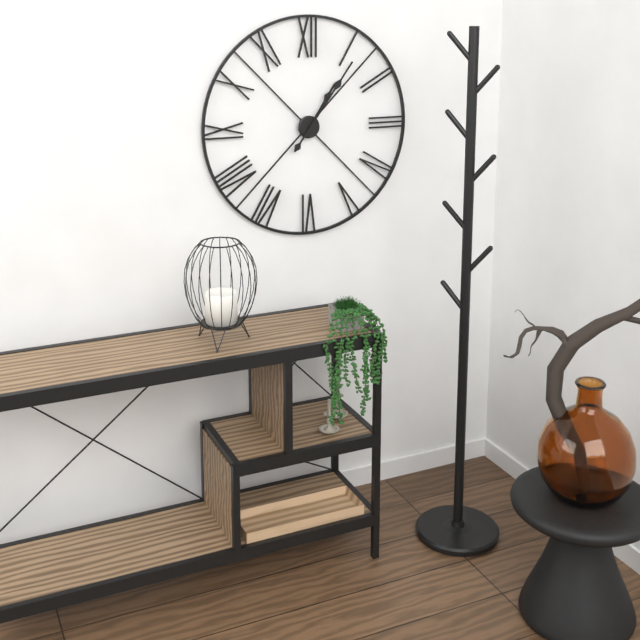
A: 1:06
